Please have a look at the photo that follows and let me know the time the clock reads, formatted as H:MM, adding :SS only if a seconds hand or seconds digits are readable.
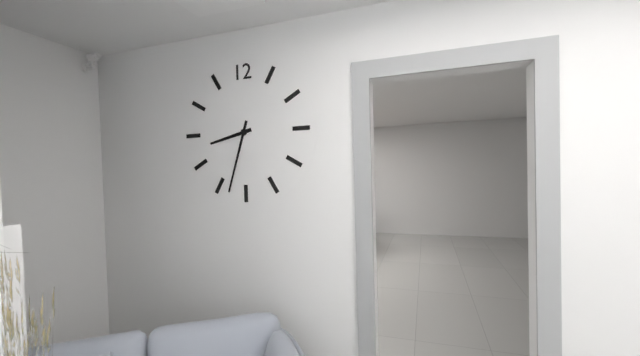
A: 8:33
